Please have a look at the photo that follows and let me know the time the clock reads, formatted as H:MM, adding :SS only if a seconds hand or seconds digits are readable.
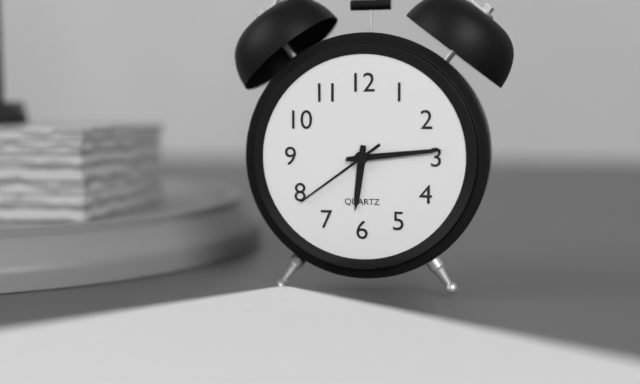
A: 6:14:39
